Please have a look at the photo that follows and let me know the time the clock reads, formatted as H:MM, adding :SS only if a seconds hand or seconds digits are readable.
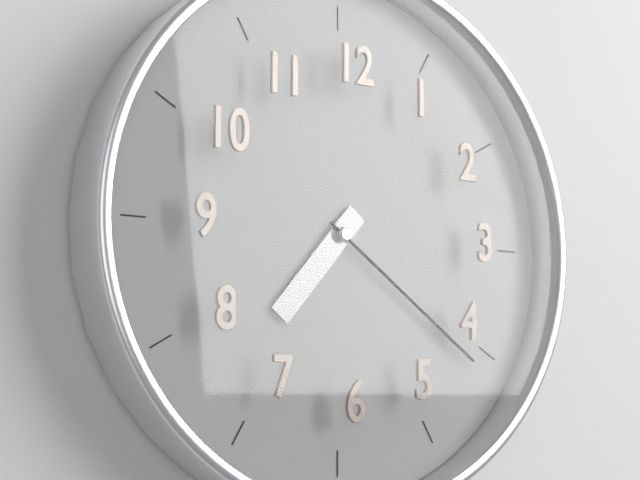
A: 7:21
